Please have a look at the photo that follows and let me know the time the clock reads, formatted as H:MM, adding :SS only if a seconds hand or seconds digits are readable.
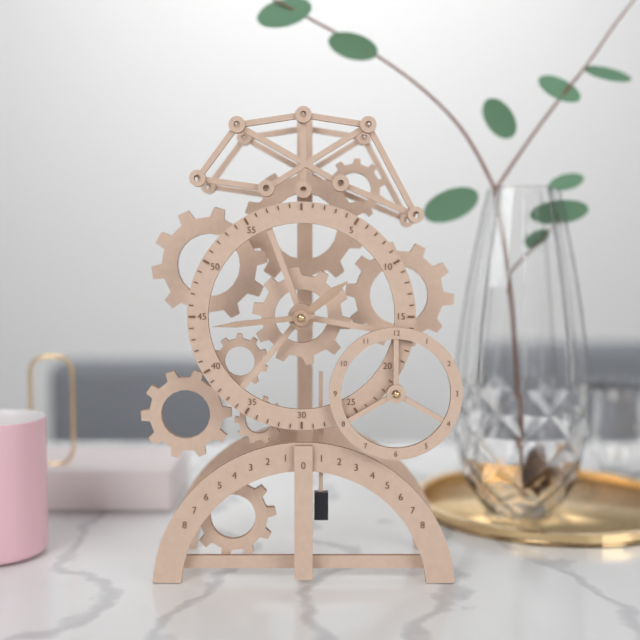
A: 1:44
